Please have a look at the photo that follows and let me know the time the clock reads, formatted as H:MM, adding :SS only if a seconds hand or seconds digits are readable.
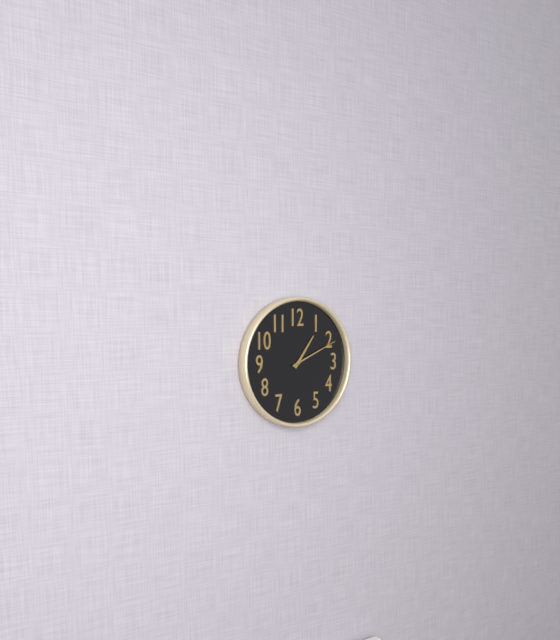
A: 1:11
